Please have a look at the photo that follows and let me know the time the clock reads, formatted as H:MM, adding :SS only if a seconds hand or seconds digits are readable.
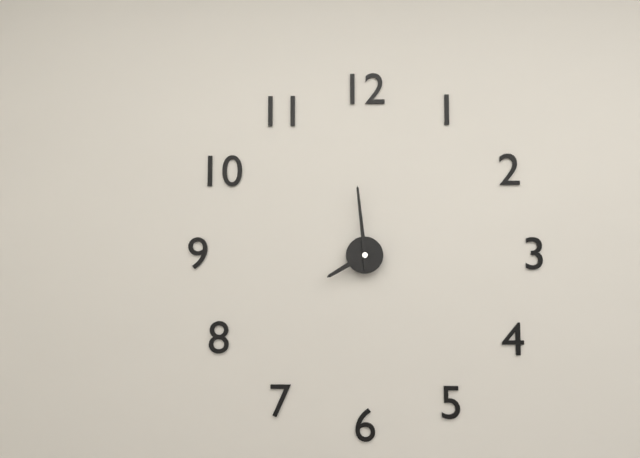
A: 7:59
